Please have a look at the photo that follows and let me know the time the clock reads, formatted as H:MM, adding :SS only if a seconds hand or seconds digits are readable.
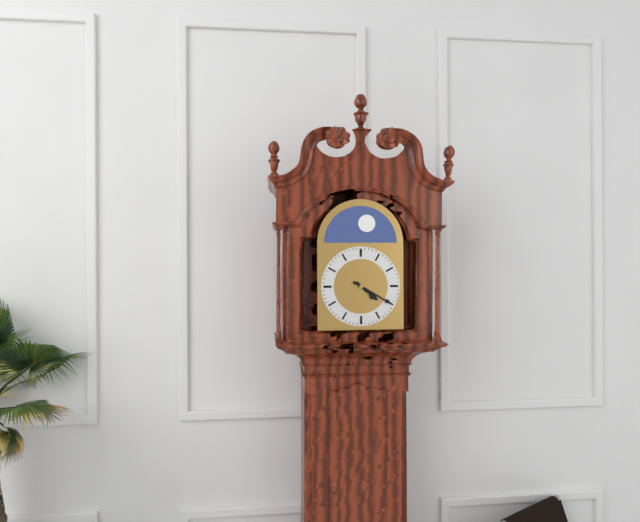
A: 4:20
